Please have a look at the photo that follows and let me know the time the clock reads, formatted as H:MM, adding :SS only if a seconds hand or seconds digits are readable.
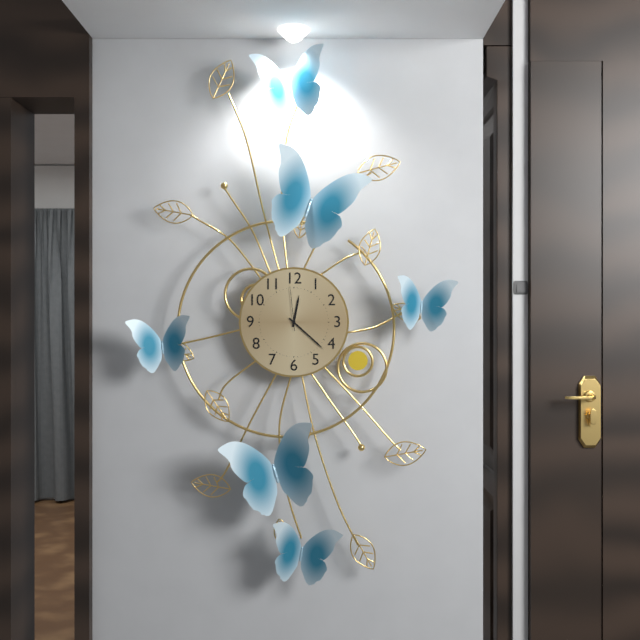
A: 12:22
